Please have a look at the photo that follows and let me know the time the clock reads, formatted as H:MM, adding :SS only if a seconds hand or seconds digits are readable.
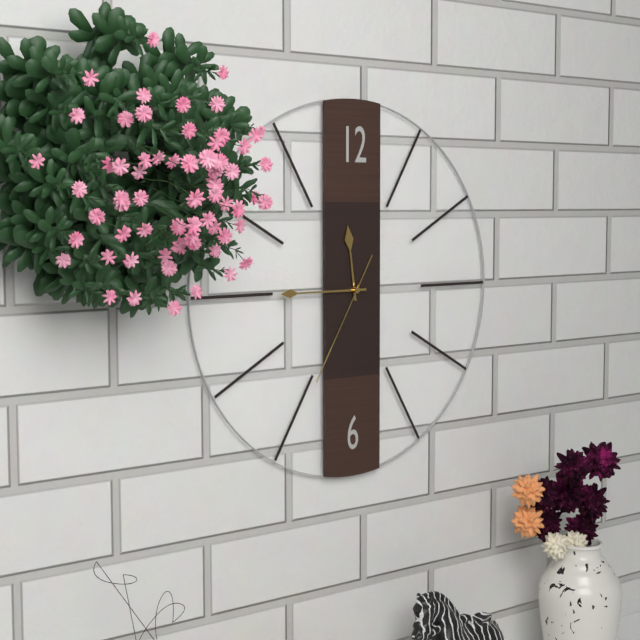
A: 11:45:35
